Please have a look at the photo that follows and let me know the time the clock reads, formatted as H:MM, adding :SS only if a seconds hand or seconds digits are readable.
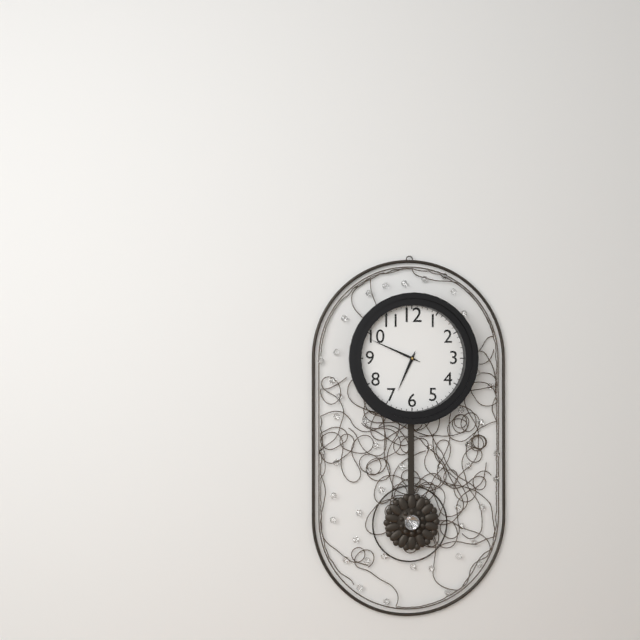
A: 6:49
